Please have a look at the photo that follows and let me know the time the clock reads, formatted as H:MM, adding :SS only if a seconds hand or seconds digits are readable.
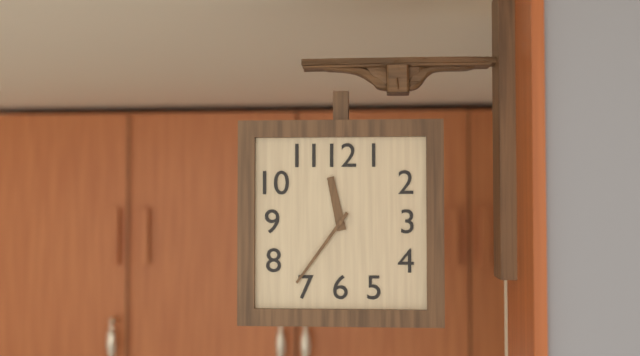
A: 11:36
